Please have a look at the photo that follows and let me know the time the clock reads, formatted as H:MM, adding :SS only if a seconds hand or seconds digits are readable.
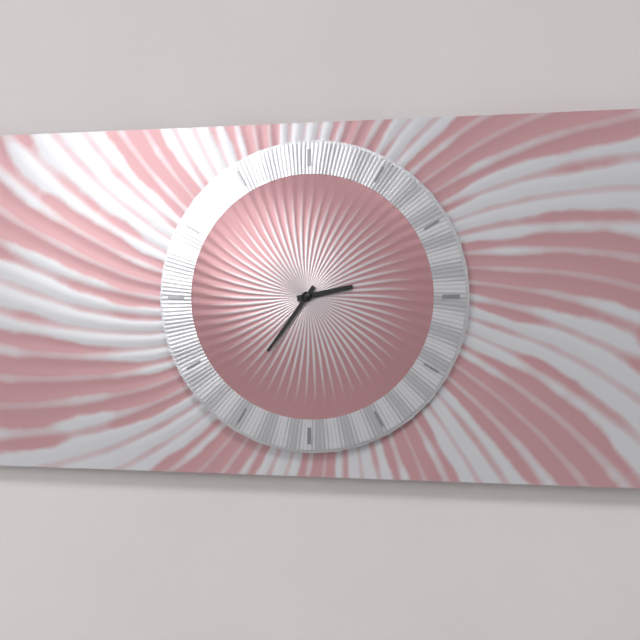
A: 2:36
